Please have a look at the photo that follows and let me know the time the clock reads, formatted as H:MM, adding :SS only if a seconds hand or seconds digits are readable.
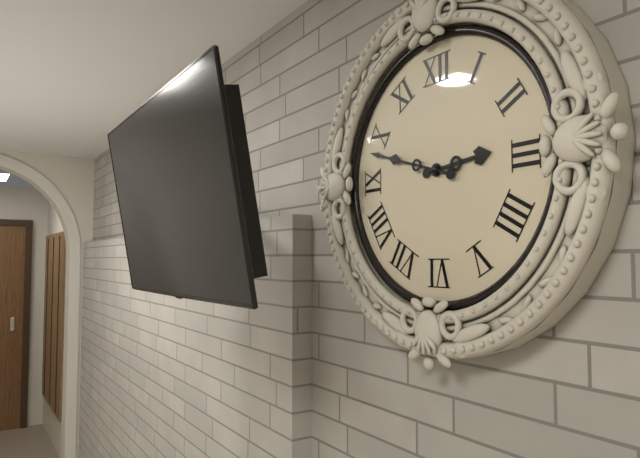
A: 2:48
